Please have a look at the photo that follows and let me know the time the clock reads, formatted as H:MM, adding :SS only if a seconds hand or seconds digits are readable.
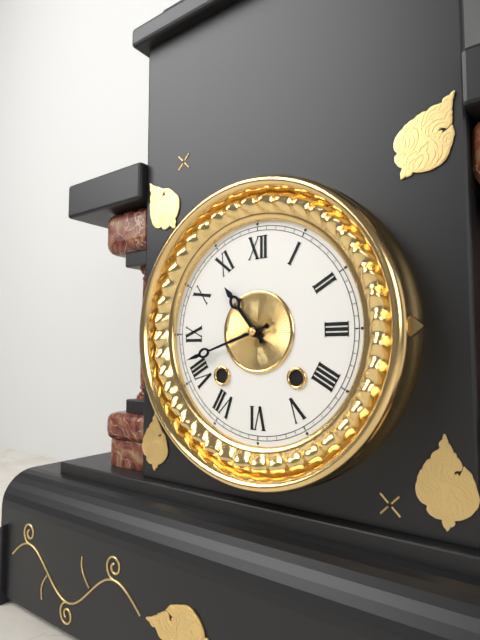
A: 10:42
